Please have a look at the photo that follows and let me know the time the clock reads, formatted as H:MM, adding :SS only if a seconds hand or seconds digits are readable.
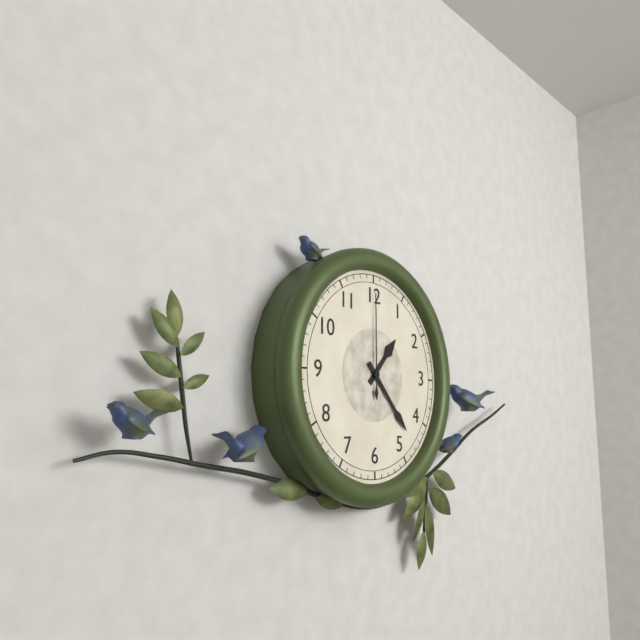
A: 1:23:00
